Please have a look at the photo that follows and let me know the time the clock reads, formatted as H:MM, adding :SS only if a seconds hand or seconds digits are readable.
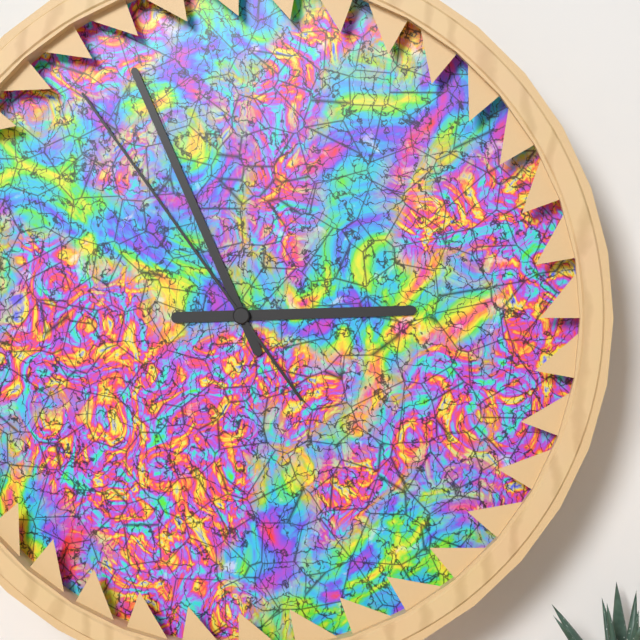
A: 2:56:54
